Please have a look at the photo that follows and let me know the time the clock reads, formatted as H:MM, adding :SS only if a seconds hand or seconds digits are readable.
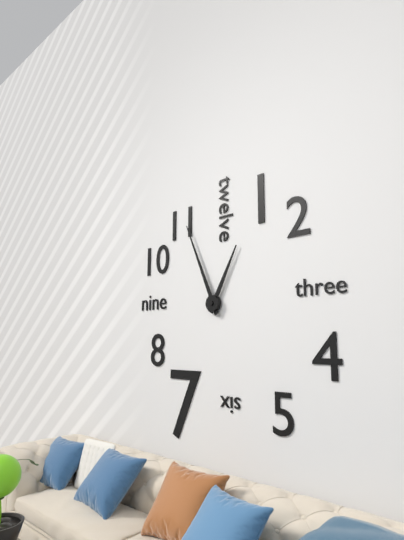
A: 12:56
